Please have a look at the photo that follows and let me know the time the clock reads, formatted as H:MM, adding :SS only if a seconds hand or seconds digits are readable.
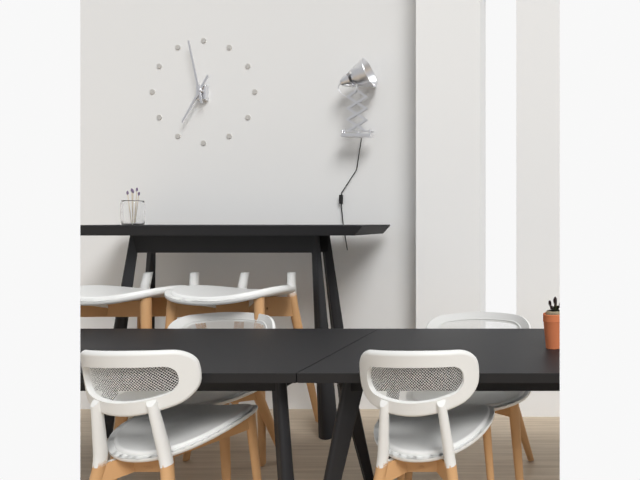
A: 6:58
